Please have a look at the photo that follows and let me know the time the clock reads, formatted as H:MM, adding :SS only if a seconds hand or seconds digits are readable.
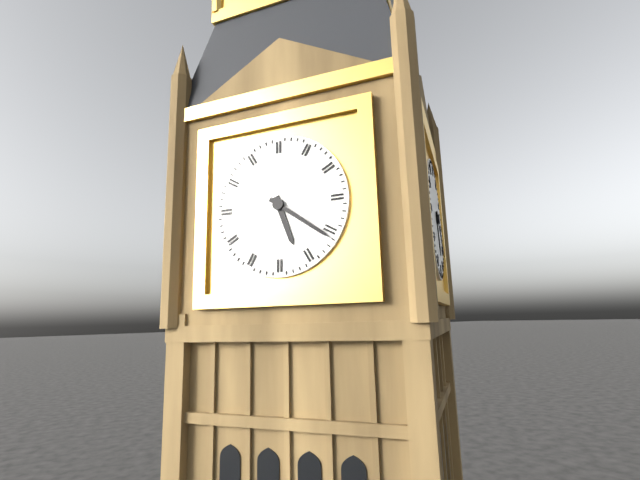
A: 5:21
